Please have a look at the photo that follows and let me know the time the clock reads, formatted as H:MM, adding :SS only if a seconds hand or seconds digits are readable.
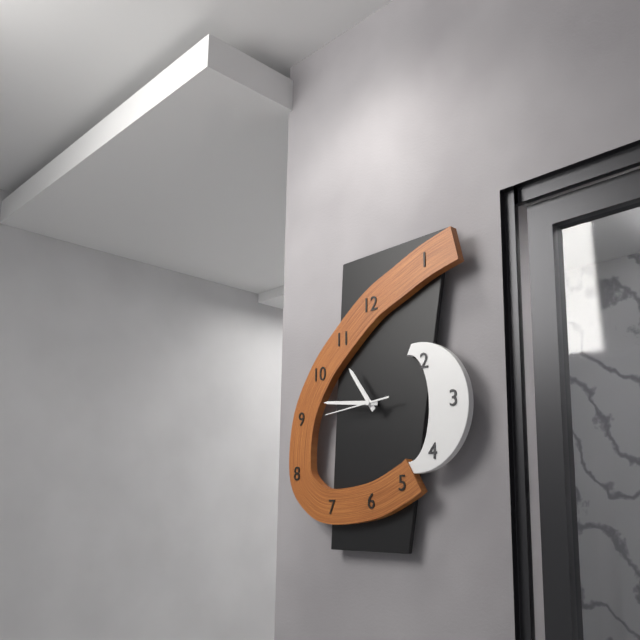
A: 10:46:44
